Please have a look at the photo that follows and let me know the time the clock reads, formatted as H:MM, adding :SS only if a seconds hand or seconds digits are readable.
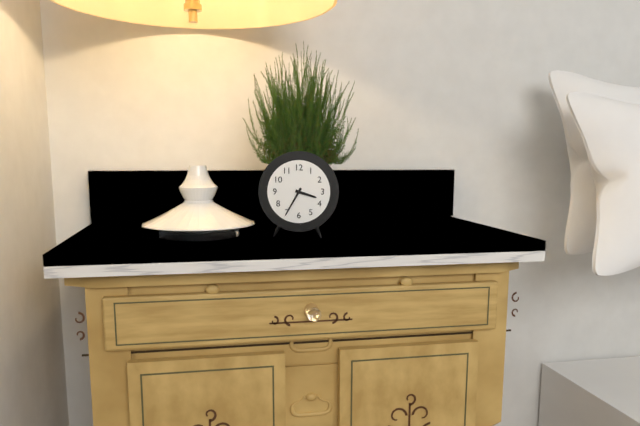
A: 3:35
